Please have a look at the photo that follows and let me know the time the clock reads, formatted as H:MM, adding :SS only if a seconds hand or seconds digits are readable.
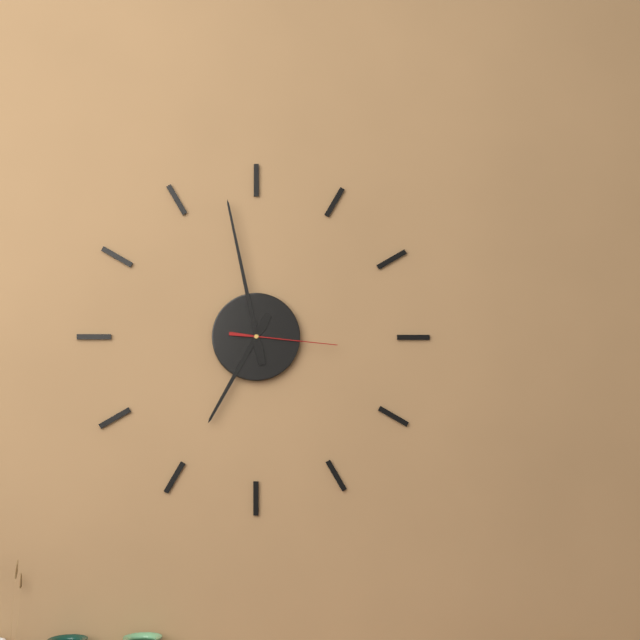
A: 6:58:16
